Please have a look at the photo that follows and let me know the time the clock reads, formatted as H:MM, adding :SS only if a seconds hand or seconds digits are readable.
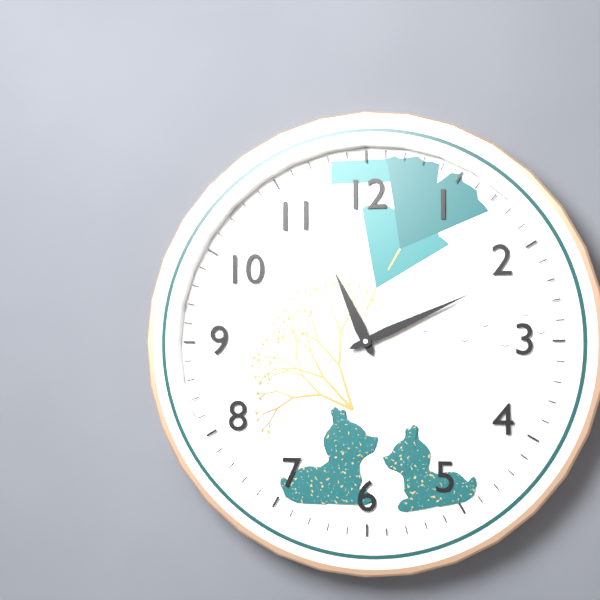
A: 11:11
